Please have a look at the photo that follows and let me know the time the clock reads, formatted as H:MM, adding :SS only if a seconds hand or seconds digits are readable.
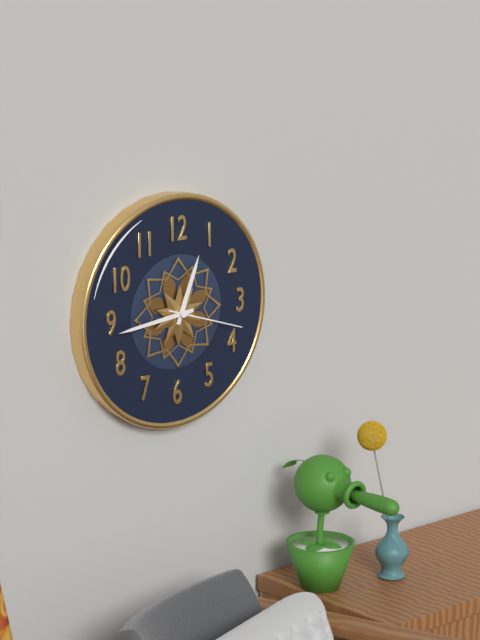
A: 12:44:18
